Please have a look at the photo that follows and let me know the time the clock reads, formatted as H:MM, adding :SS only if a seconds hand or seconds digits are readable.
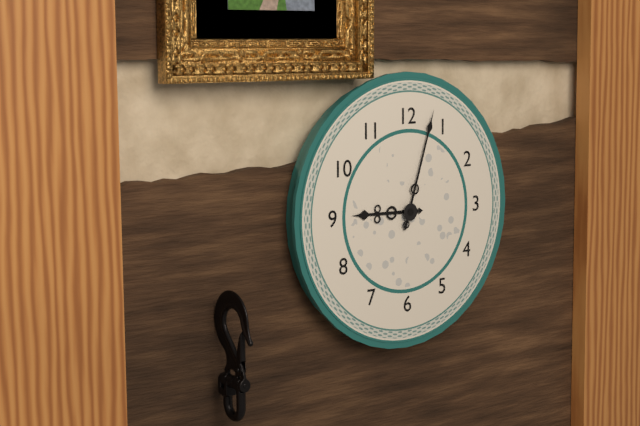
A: 9:03
